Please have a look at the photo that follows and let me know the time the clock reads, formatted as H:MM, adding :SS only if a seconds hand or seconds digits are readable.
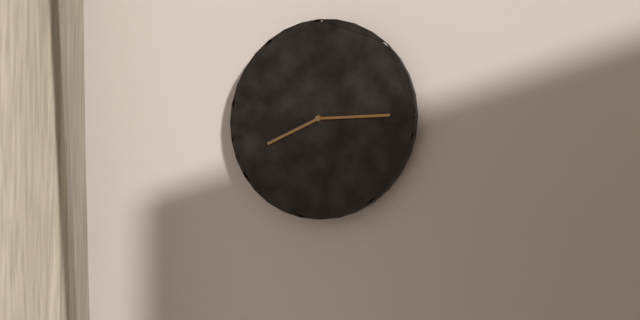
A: 8:15
